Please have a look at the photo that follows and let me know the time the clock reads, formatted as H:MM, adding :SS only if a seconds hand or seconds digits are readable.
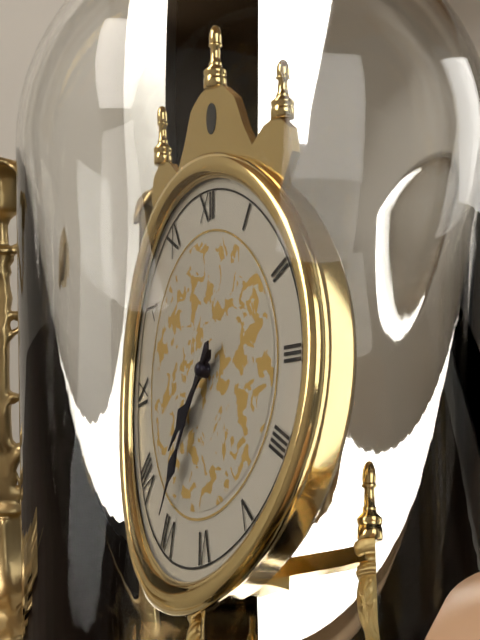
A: 7:36
